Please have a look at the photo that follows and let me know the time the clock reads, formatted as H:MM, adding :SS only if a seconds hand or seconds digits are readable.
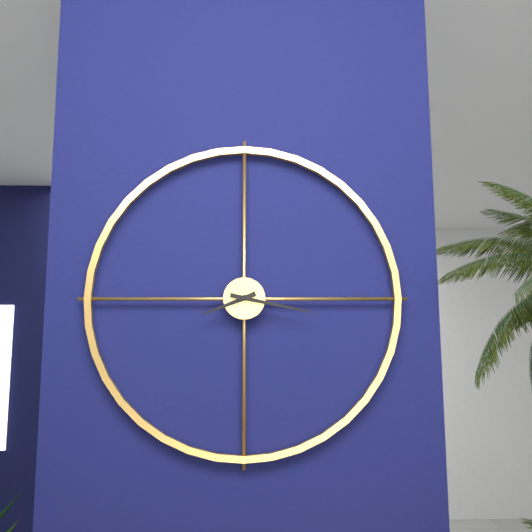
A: 8:17
